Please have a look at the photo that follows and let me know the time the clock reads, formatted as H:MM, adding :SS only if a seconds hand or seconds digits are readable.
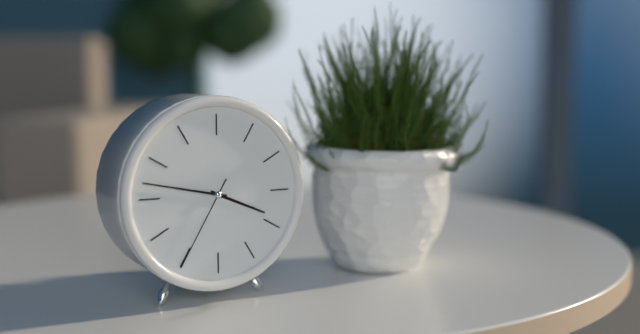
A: 3:47:35
